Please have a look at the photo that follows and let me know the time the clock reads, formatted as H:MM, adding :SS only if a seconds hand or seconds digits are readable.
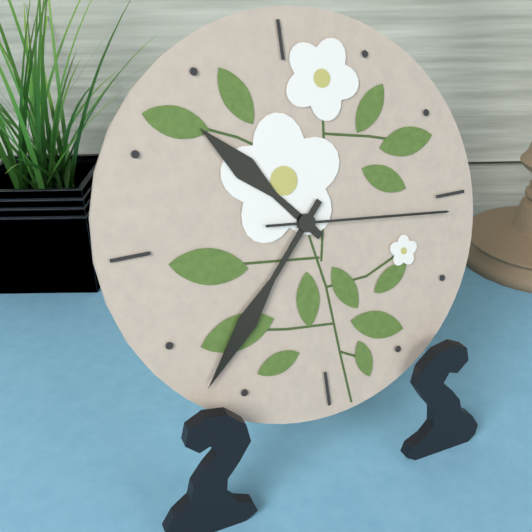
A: 10:37:16
